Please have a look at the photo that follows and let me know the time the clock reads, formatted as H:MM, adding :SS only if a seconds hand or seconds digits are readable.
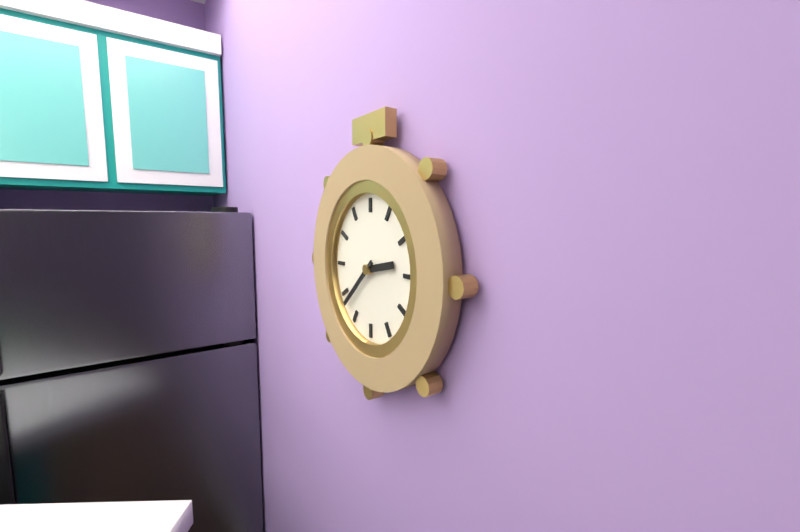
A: 2:38
